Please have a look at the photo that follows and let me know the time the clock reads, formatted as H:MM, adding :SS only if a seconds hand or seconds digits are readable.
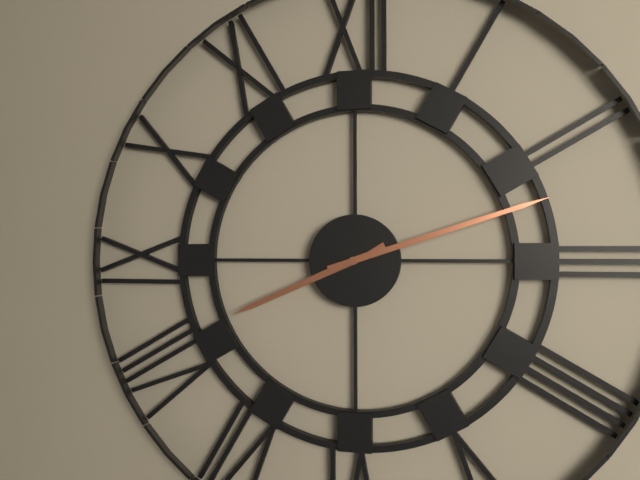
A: 8:12
